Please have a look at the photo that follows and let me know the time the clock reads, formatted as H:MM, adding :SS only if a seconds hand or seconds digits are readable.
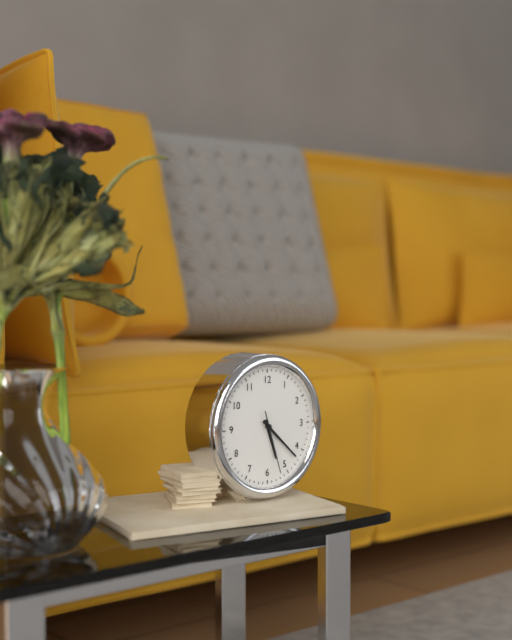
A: 5:22:27
